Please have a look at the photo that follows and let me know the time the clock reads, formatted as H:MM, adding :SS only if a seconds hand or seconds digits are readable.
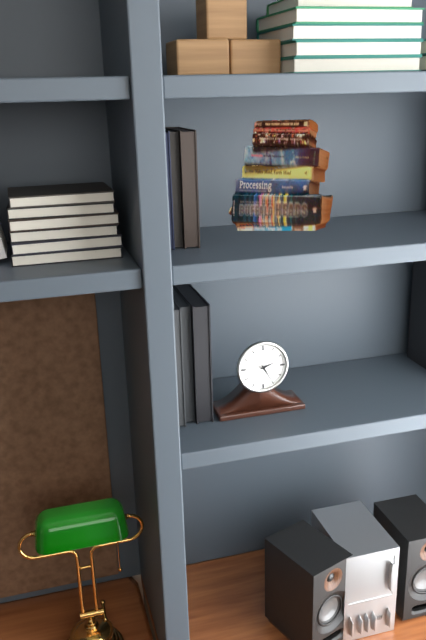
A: 2:25
